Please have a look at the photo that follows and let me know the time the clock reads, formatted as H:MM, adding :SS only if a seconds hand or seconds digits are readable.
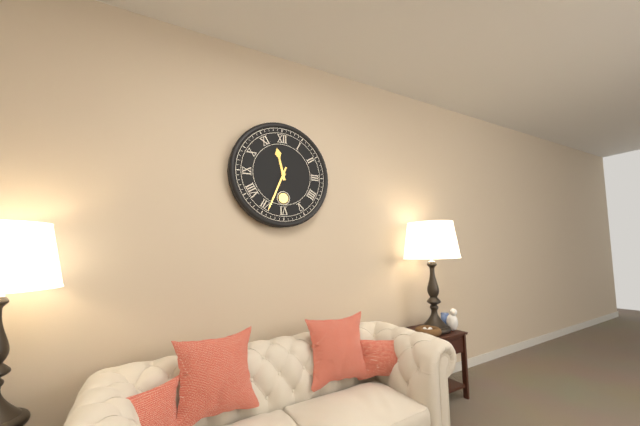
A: 11:34
